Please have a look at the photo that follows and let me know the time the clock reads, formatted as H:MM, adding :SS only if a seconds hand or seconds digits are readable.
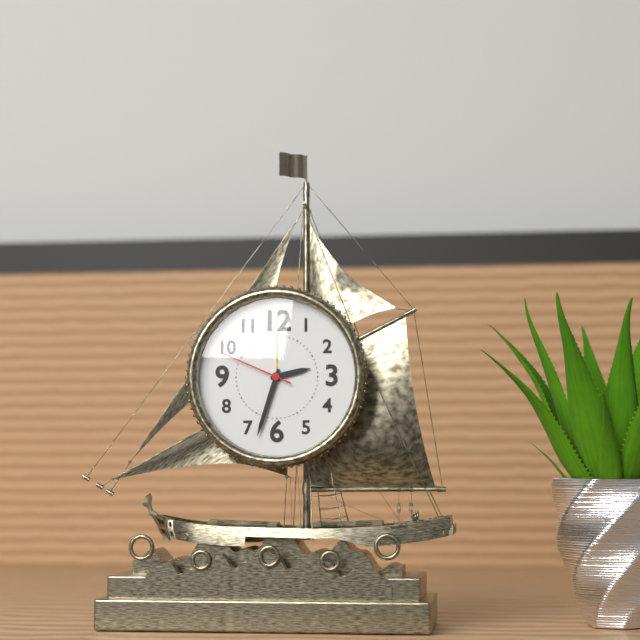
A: 2:33:49
